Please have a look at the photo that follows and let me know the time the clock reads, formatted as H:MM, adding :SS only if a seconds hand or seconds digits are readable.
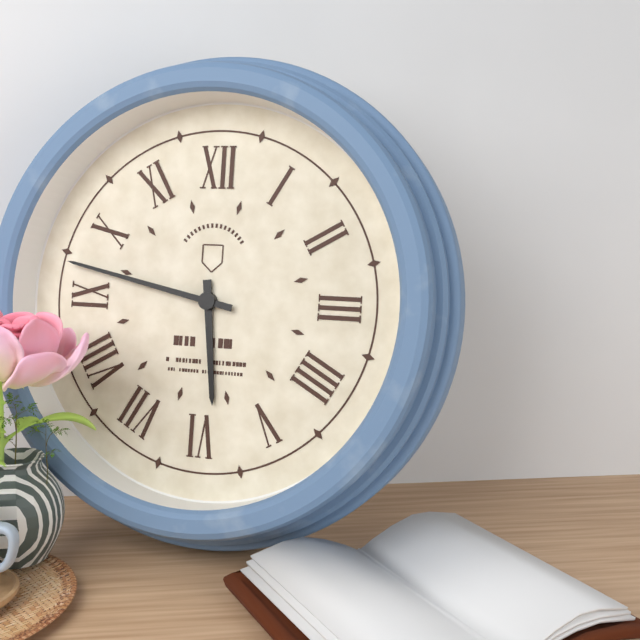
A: 5:47
